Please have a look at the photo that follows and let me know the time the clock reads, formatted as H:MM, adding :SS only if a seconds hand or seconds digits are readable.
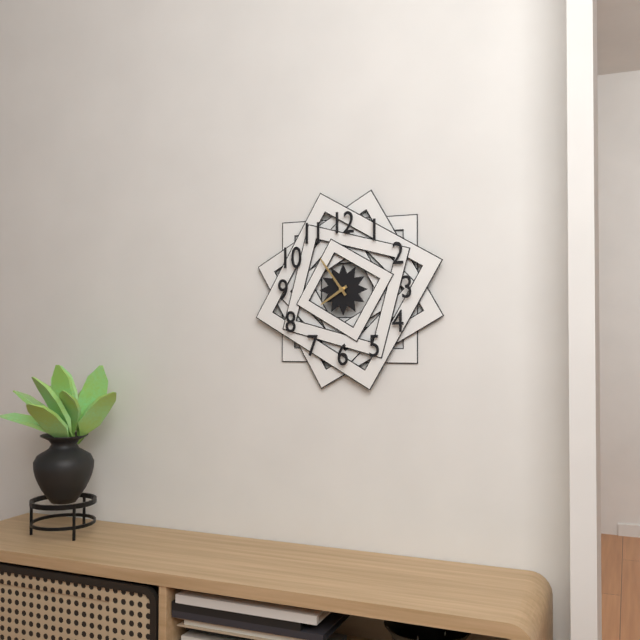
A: 7:54
